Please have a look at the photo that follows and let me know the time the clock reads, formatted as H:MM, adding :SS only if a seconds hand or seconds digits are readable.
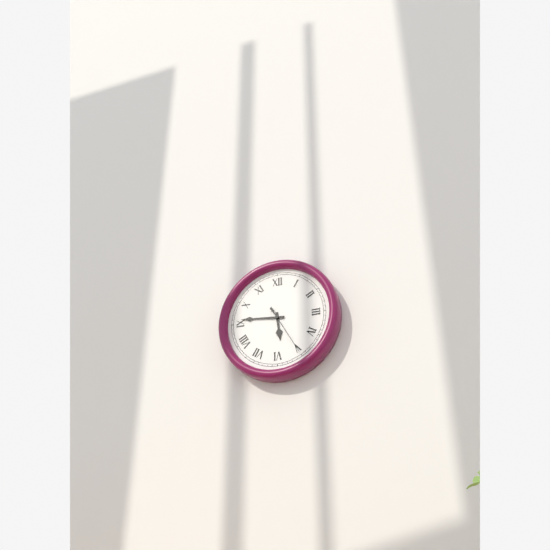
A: 5:46:25
